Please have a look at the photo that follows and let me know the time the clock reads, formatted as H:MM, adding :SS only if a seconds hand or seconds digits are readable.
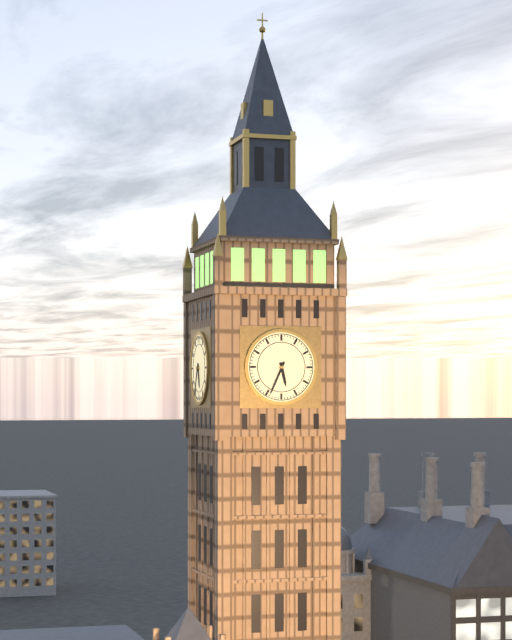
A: 5:34
